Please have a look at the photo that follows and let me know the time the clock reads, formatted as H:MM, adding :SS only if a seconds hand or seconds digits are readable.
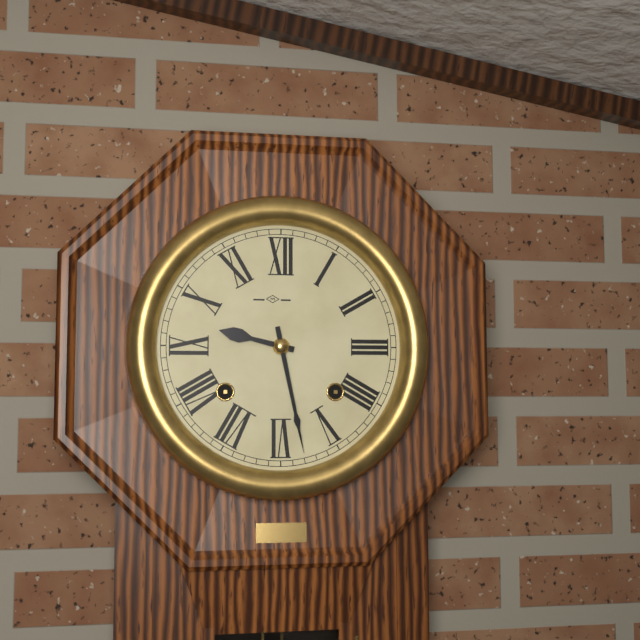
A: 9:28
